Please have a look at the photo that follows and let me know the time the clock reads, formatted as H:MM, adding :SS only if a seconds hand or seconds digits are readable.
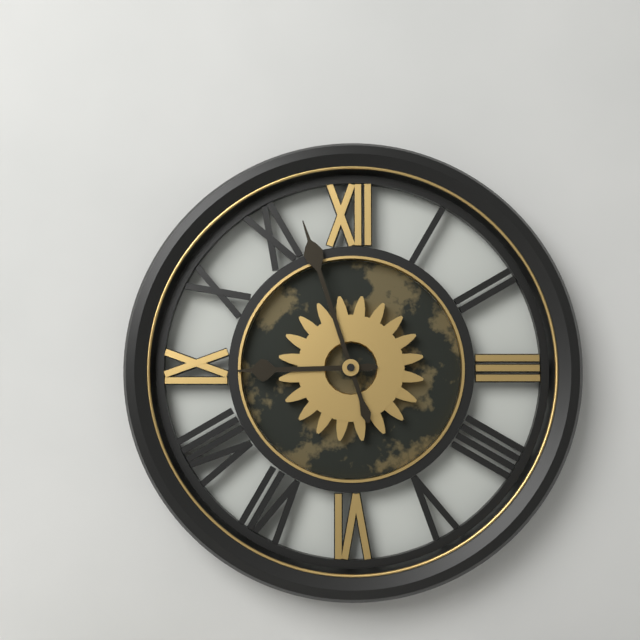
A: 8:57
